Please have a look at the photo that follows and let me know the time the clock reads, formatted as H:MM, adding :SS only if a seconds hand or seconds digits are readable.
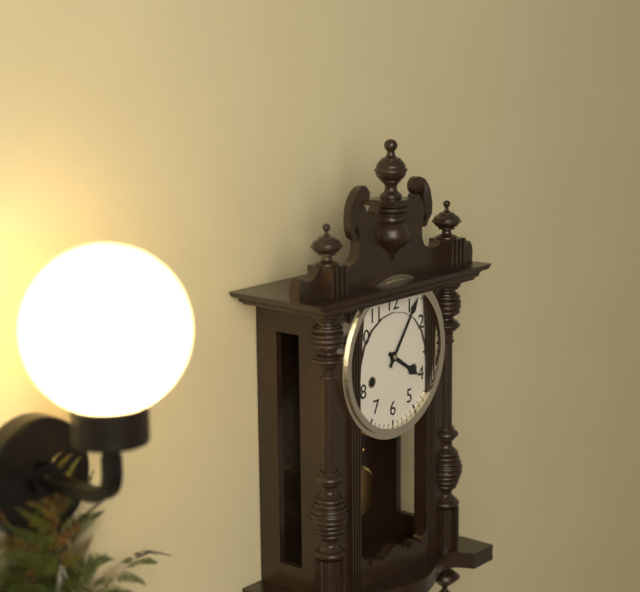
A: 4:06
